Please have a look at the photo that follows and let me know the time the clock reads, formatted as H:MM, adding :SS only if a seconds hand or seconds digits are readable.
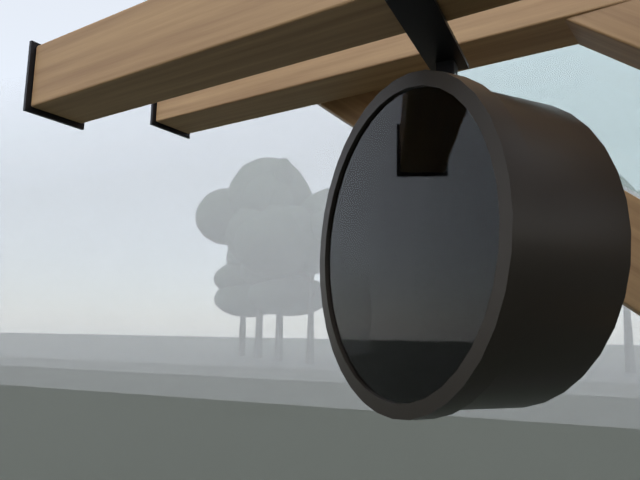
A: 8:15
